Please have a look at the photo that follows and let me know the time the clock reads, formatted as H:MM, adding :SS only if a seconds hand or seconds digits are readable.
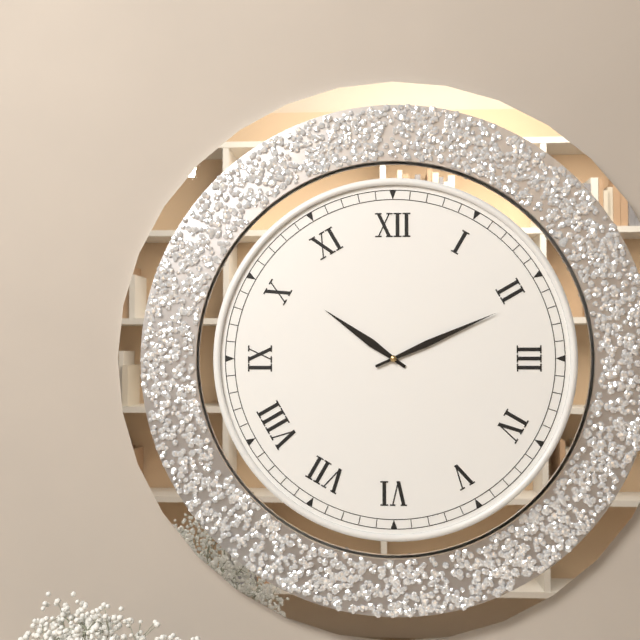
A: 10:11
